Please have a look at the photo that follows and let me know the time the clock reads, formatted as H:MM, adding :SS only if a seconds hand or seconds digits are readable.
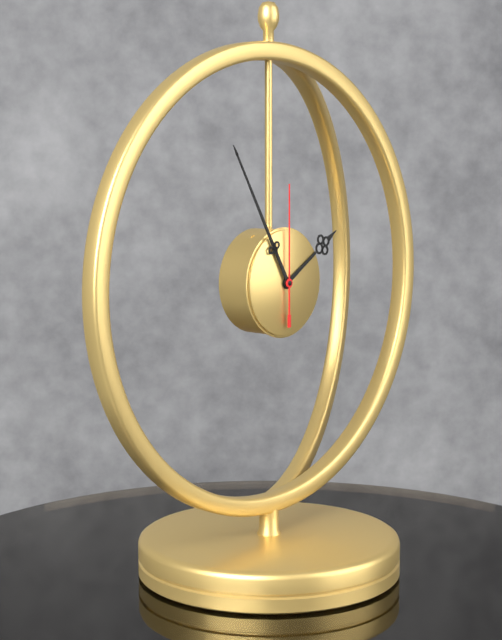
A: 1:55:00
